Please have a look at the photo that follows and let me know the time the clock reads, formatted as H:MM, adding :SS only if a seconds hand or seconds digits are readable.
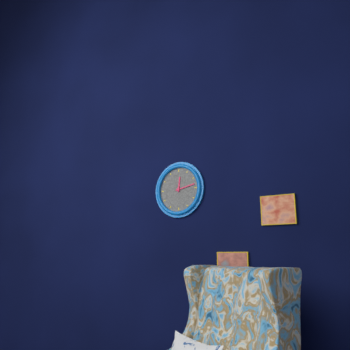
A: 12:13
